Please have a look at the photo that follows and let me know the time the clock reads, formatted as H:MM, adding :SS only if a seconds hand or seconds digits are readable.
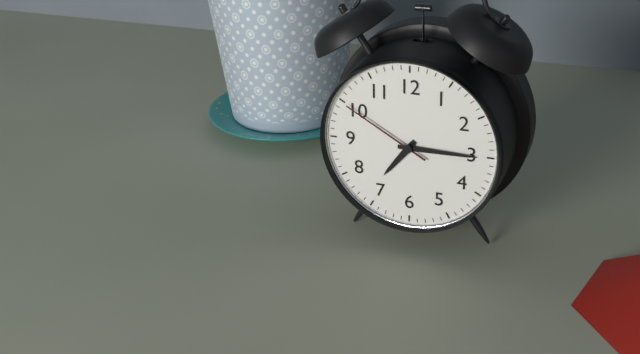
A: 7:15:50
